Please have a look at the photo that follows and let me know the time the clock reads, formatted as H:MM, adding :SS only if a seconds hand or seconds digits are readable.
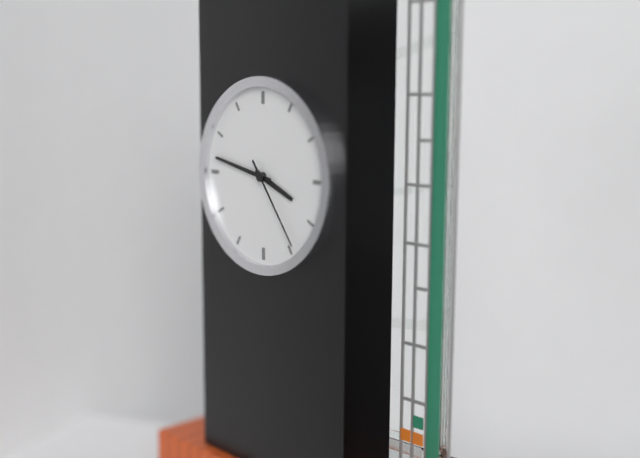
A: 3:47:24
